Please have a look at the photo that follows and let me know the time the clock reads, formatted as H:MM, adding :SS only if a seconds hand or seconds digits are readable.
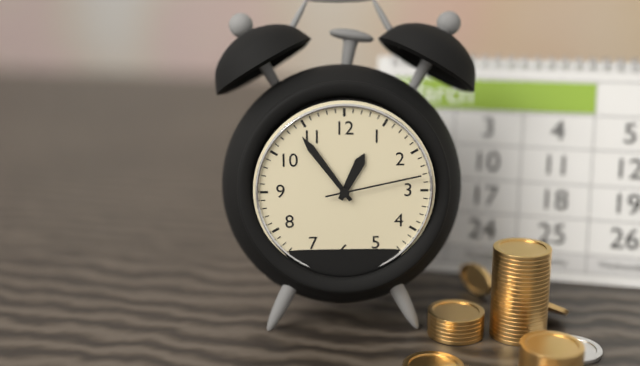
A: 12:54:13
